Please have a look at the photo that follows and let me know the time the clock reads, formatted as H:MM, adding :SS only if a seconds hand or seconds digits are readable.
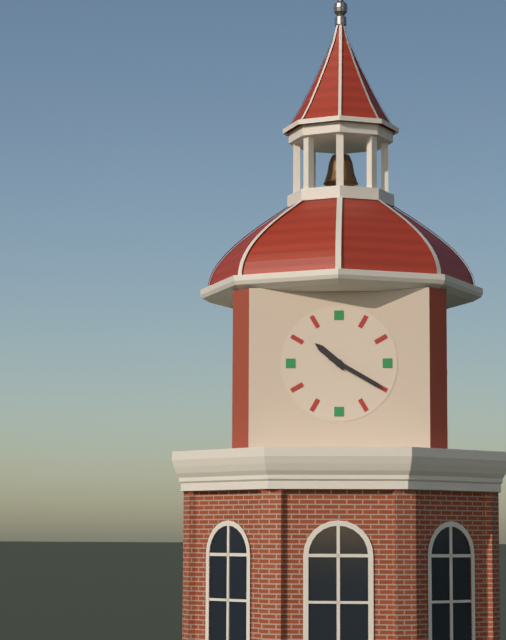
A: 10:20
